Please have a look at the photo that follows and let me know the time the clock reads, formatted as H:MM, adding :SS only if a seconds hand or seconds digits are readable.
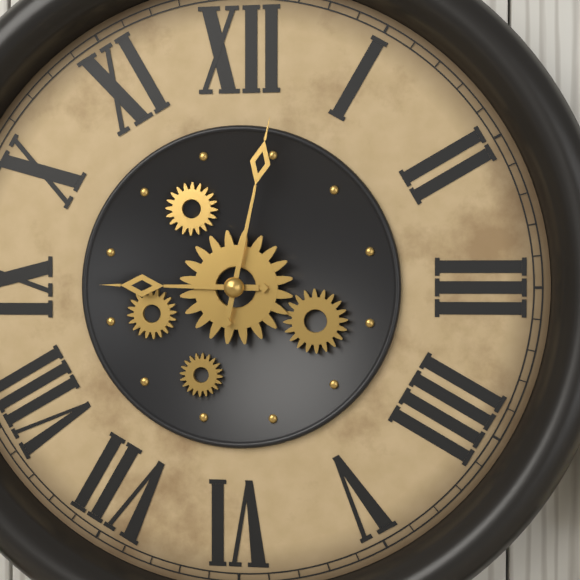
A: 9:02
